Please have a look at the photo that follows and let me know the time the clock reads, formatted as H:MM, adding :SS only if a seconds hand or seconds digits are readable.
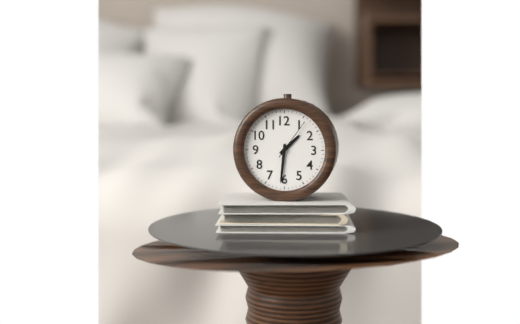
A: 1:31
